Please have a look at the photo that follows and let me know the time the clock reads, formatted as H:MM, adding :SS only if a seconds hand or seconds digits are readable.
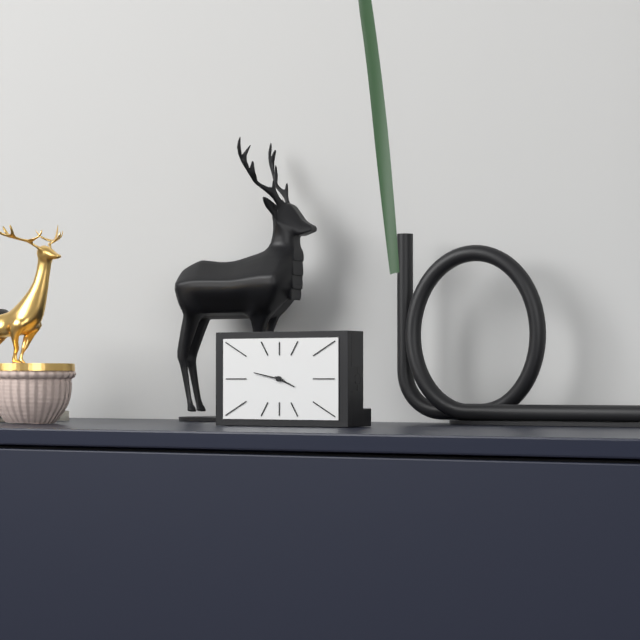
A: 3:47
